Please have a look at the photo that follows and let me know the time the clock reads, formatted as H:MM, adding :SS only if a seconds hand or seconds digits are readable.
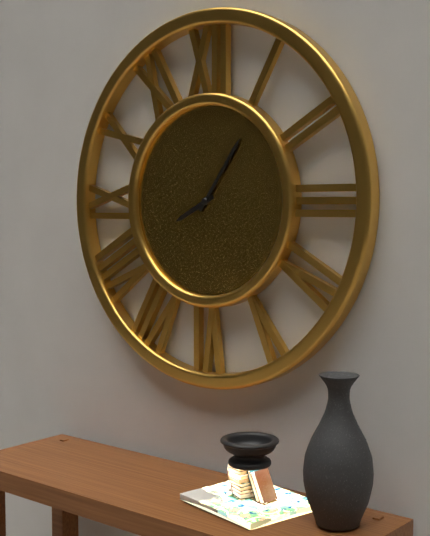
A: 8:06
